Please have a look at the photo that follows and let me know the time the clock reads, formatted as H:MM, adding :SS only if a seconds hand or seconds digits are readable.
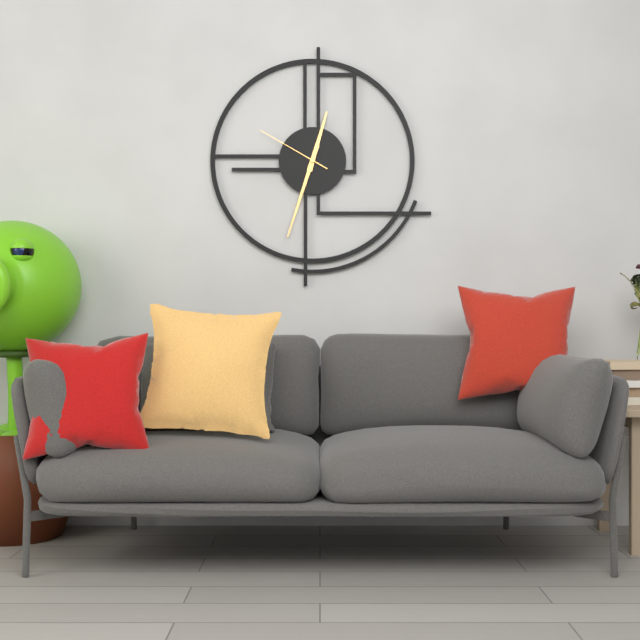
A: 12:33:50
